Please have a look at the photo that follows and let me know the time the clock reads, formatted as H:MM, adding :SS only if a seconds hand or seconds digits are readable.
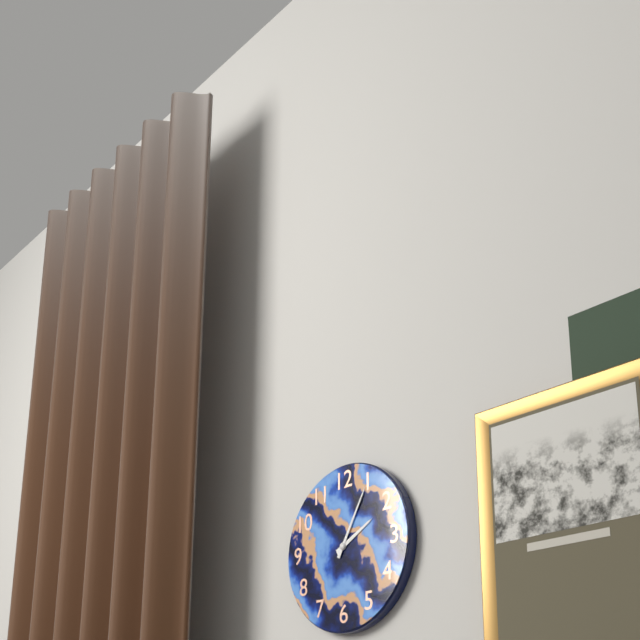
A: 2:05
